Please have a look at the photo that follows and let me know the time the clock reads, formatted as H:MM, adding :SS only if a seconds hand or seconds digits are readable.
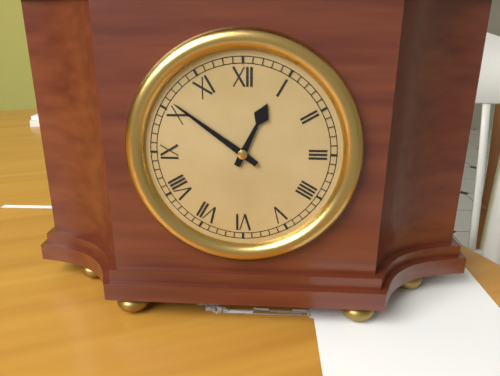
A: 12:51
